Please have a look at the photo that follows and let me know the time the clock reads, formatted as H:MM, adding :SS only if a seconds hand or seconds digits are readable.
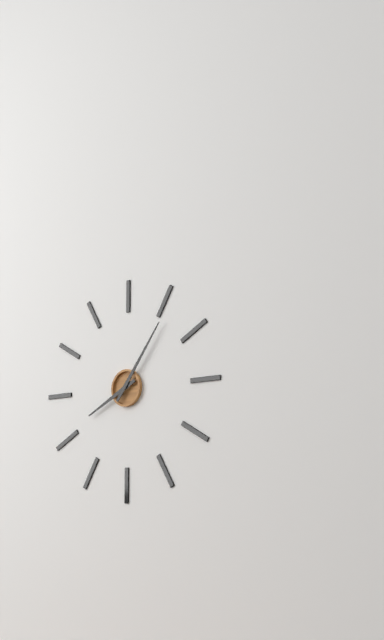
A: 8:06
